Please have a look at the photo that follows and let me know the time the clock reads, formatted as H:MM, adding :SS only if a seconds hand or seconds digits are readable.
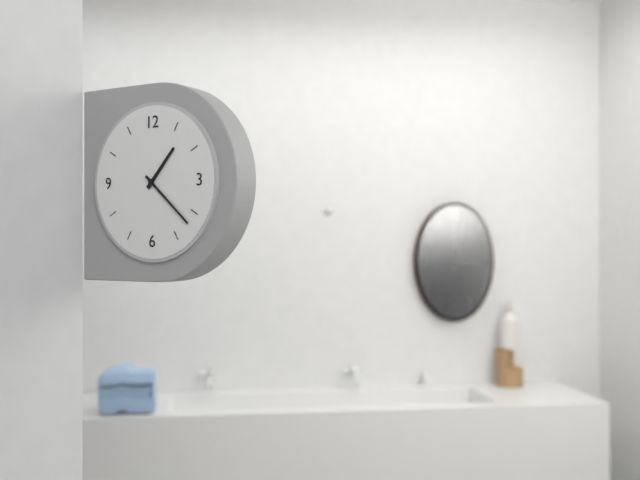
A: 1:22
